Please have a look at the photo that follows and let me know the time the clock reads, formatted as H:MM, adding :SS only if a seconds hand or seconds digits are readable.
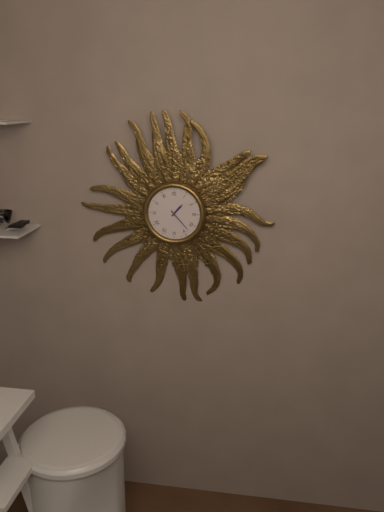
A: 1:23
